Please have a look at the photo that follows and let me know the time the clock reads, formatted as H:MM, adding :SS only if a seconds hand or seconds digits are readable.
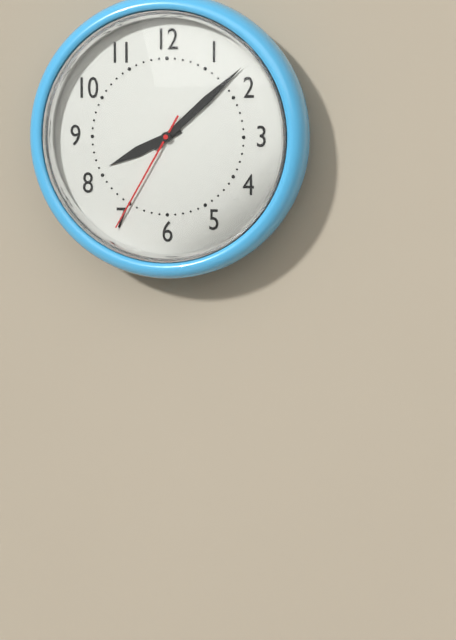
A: 8:08:35
